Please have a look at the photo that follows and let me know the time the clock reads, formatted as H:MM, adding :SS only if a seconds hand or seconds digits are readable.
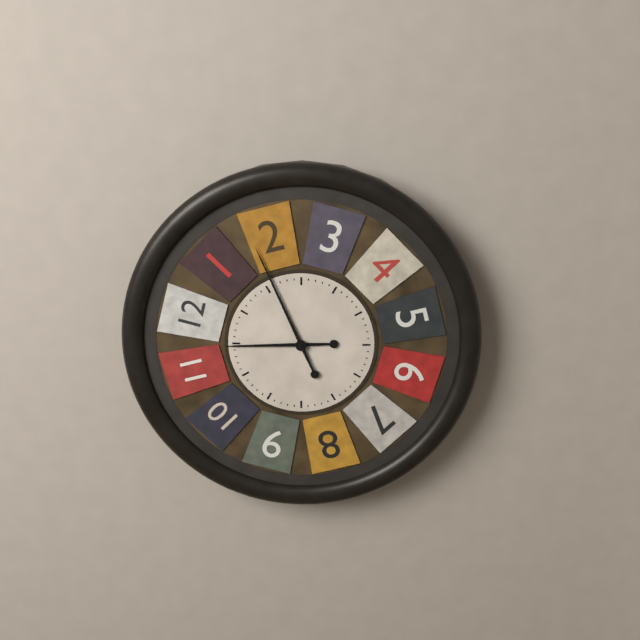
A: 8:56
